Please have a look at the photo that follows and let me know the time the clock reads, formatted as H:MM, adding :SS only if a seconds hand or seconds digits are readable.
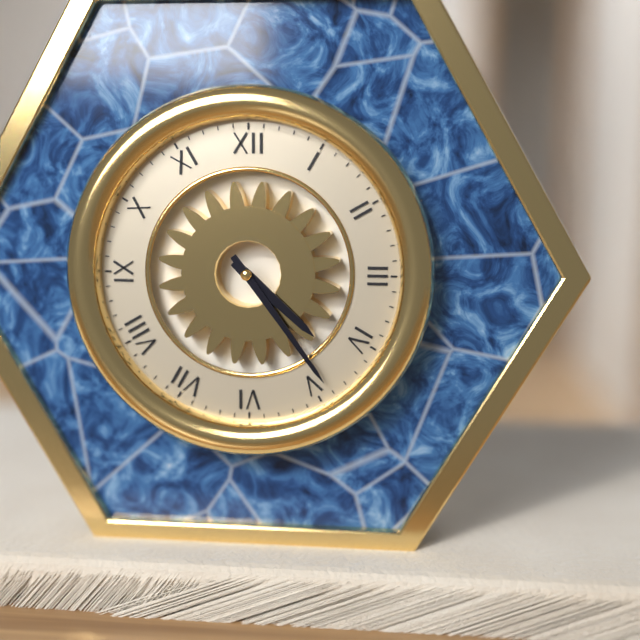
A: 4:24
